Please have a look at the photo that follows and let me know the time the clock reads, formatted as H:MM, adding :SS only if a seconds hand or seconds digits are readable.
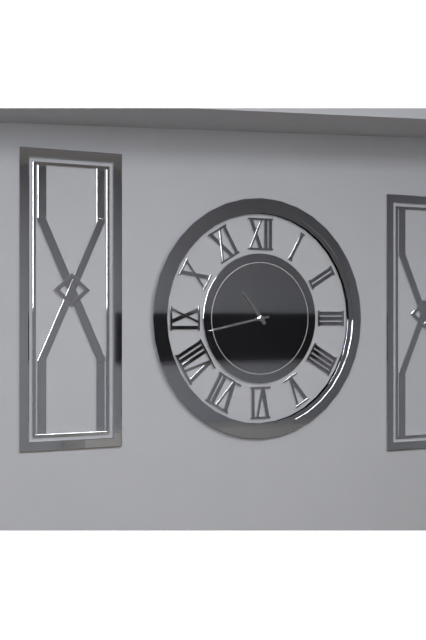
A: 10:43
